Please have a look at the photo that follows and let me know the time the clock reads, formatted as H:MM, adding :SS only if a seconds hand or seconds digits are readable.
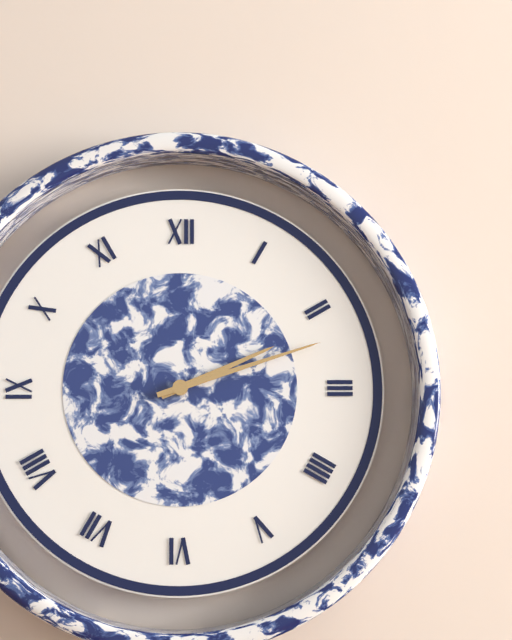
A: 2:12
